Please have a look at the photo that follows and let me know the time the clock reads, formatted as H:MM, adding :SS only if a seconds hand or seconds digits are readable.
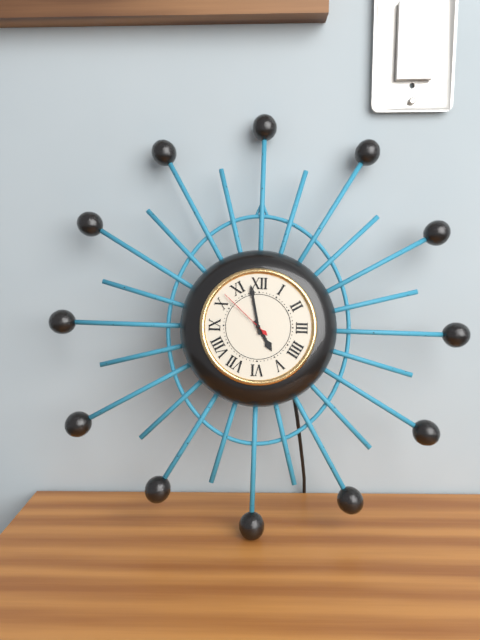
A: 4:58:52
